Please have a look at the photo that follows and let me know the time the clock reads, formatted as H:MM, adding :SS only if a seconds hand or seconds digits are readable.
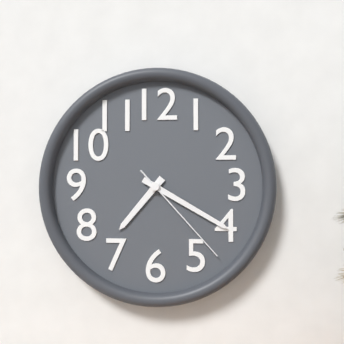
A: 7:20:23
